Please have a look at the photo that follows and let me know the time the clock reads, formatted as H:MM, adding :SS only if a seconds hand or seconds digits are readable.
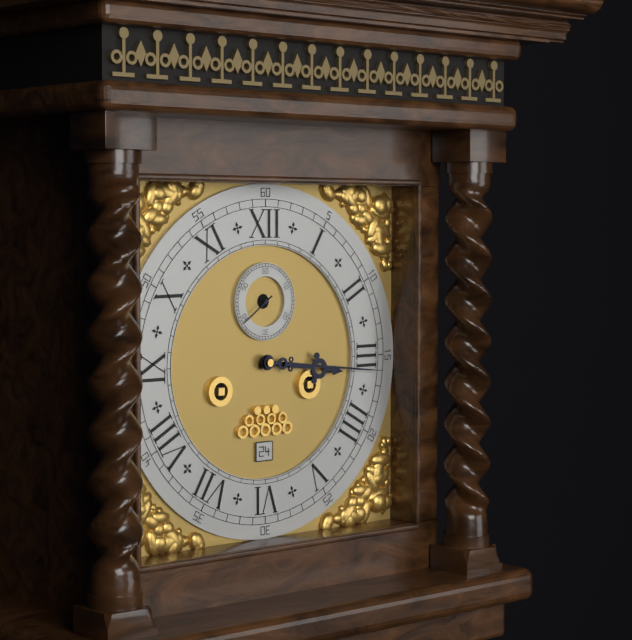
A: 3:16
